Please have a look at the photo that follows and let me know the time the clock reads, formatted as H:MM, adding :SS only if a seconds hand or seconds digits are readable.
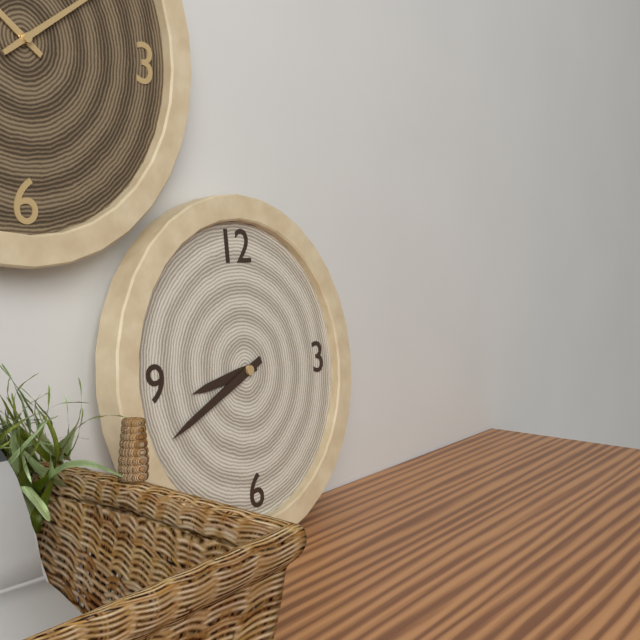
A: 8:41
